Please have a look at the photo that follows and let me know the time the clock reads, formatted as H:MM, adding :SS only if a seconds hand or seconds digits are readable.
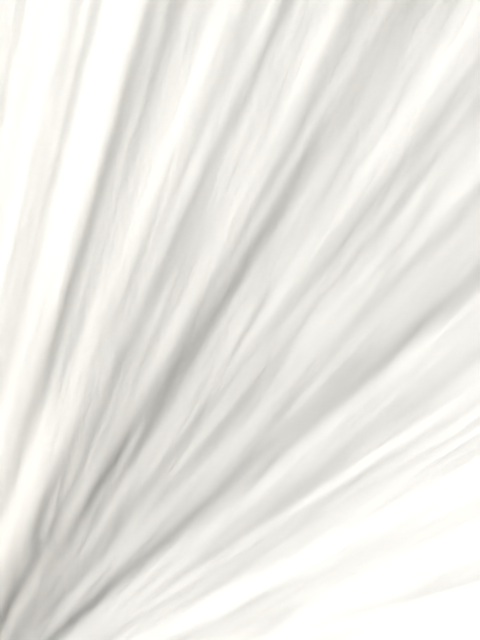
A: 8:08
